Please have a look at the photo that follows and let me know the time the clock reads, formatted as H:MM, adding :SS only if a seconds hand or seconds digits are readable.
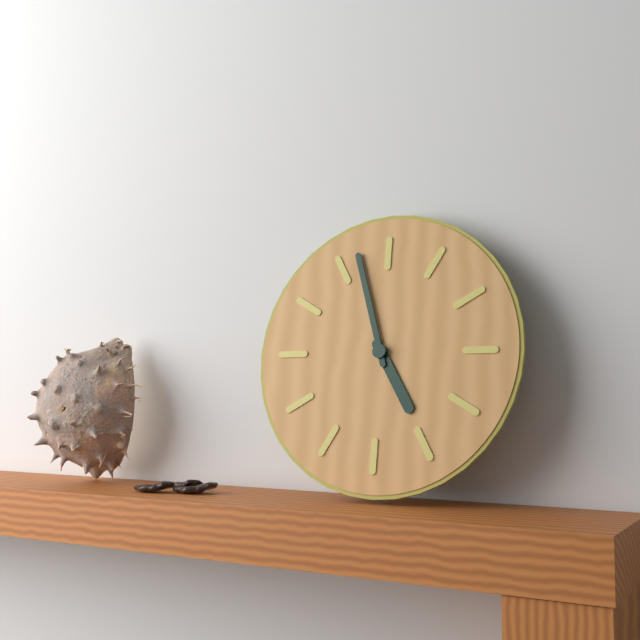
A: 4:57
